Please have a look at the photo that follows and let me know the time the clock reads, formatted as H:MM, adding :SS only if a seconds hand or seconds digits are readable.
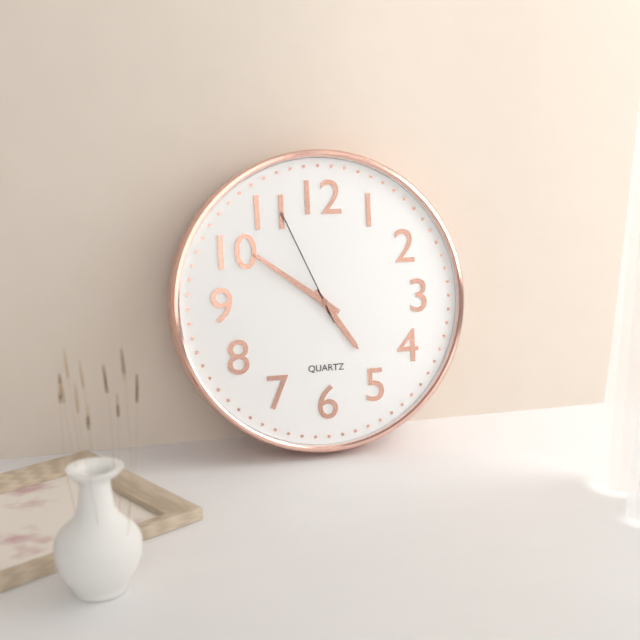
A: 4:51:56
